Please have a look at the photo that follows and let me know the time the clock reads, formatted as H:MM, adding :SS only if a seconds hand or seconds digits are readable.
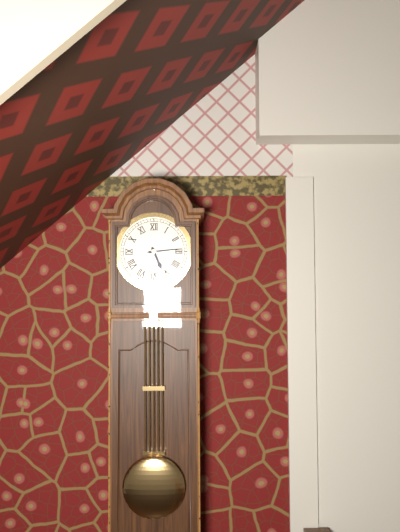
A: 5:14
